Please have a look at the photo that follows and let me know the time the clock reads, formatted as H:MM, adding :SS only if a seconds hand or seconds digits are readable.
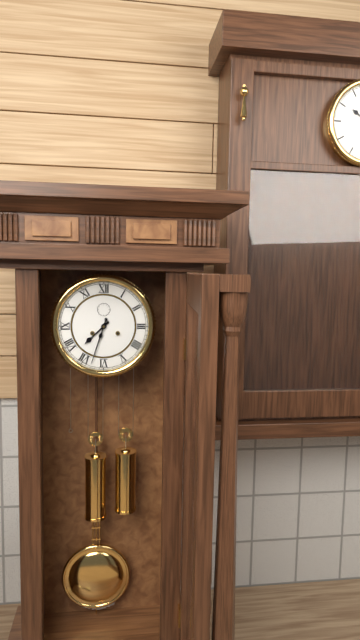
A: 7:33
